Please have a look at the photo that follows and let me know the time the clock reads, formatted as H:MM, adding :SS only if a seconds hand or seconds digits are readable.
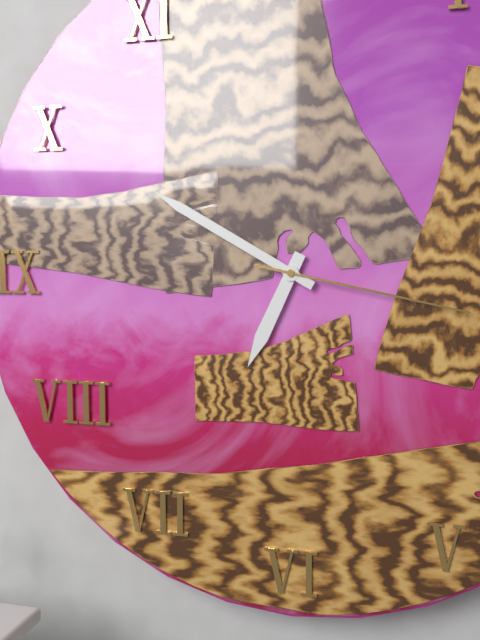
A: 6:50:17
